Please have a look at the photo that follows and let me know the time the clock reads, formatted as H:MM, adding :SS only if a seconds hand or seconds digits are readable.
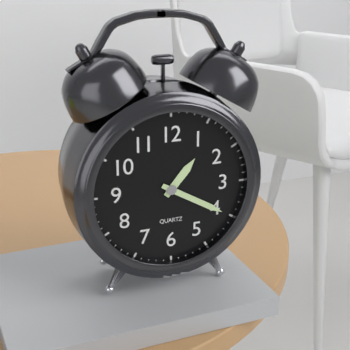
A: 1:20
